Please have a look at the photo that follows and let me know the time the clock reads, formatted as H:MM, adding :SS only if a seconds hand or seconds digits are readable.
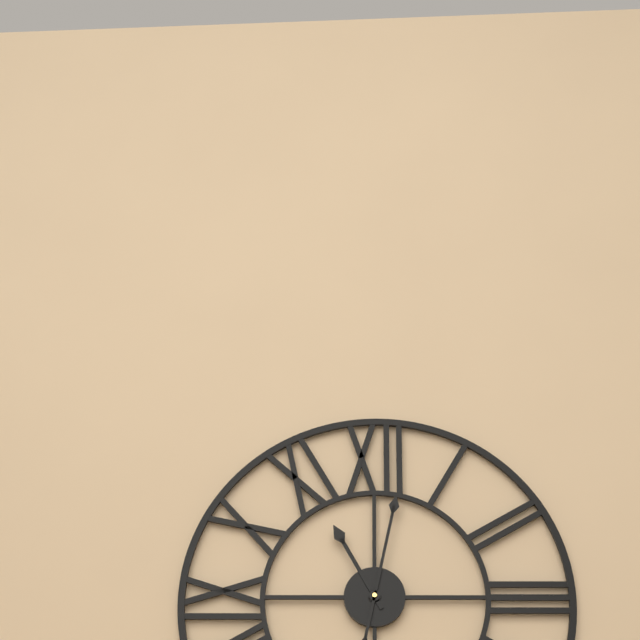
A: 11:02
